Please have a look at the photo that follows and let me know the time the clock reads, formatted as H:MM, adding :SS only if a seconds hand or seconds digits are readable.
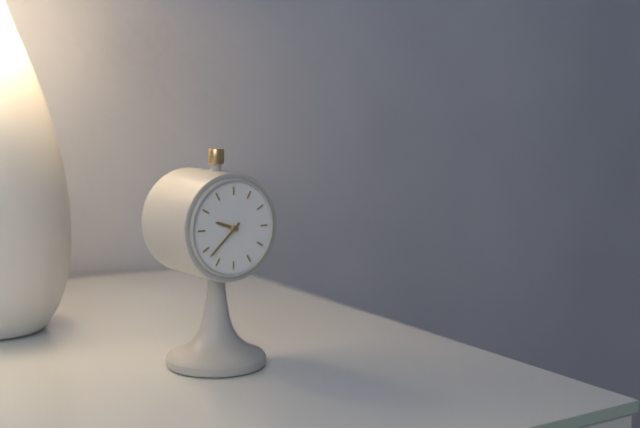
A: 9:38
